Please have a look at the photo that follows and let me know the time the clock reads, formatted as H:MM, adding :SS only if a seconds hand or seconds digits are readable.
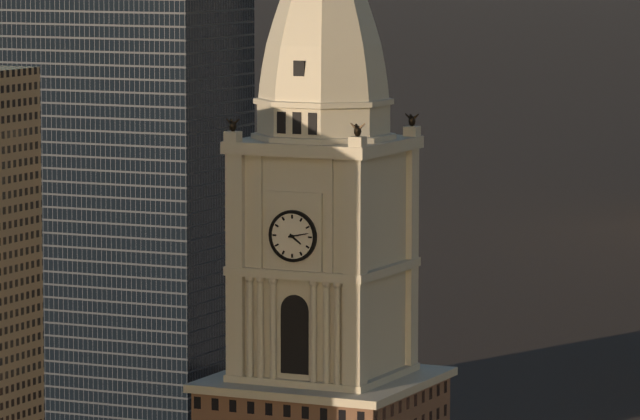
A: 4:13
